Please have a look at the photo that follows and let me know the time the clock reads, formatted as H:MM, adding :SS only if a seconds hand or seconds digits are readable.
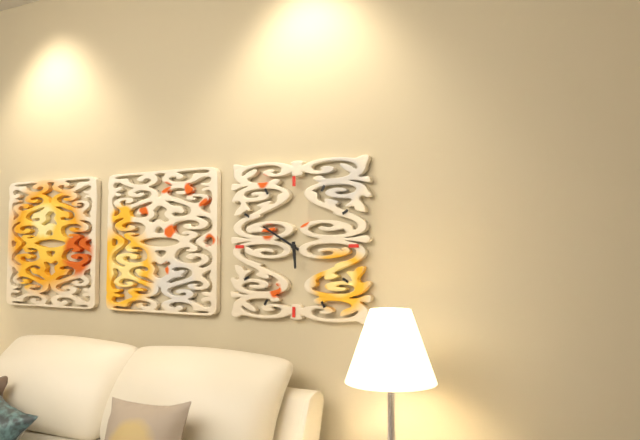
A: 5:50
